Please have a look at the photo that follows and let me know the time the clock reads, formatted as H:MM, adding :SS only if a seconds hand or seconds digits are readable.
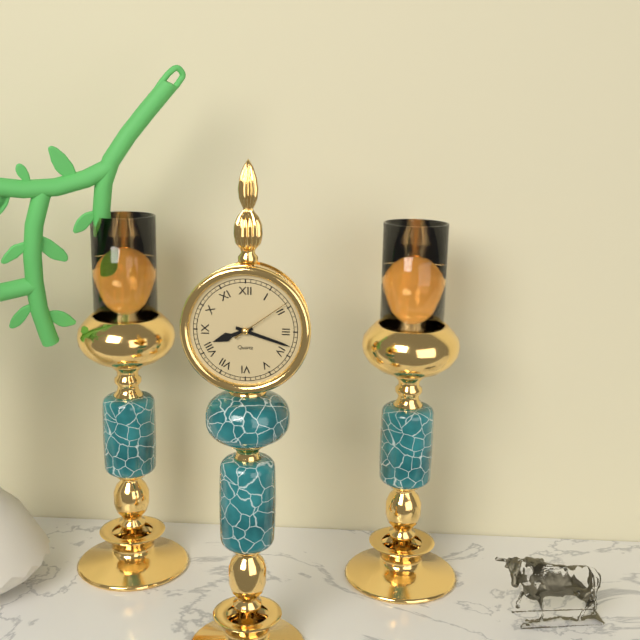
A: 8:18:09
